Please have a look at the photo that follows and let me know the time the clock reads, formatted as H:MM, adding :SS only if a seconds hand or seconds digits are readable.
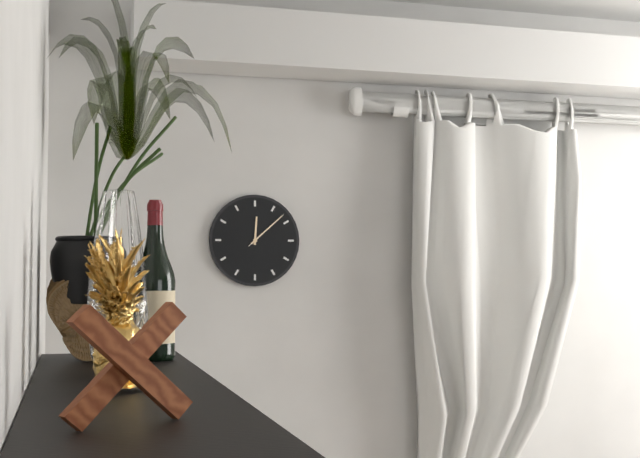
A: 12:08
